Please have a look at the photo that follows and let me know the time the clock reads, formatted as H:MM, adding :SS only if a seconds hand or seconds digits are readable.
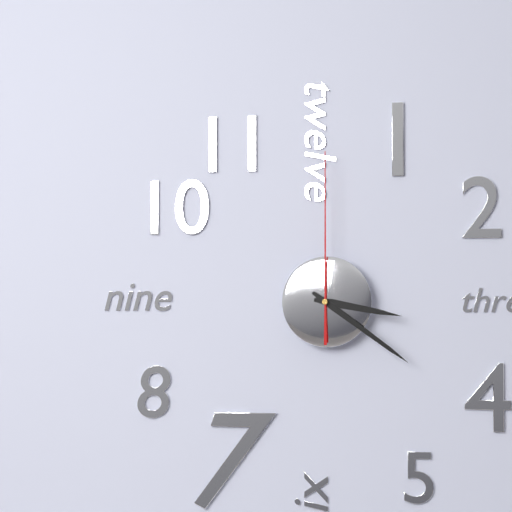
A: 3:21:00
